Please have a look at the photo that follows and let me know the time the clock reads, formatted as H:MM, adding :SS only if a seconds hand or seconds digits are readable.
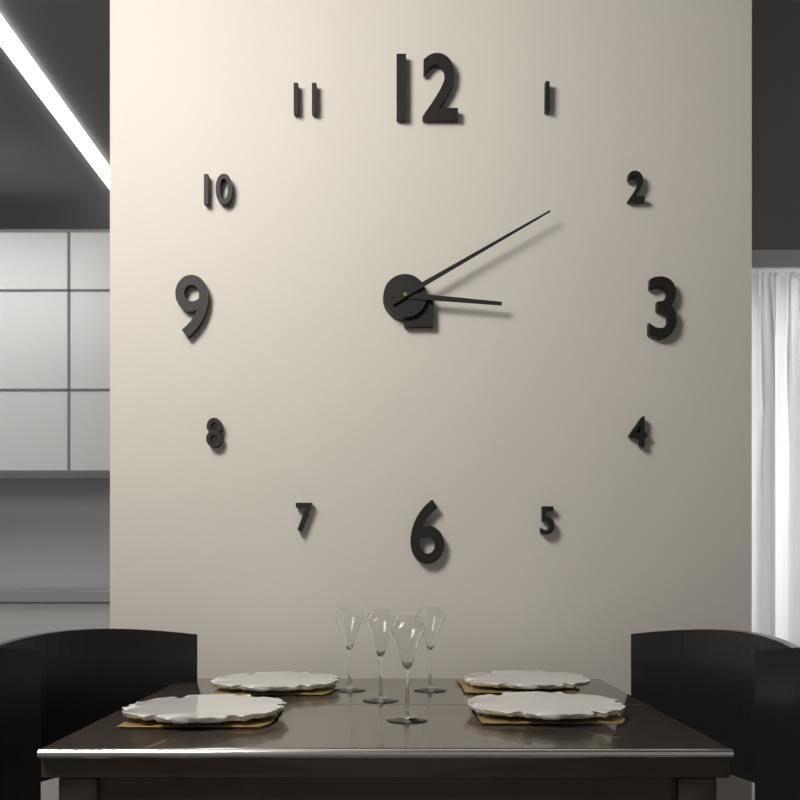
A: 3:10
